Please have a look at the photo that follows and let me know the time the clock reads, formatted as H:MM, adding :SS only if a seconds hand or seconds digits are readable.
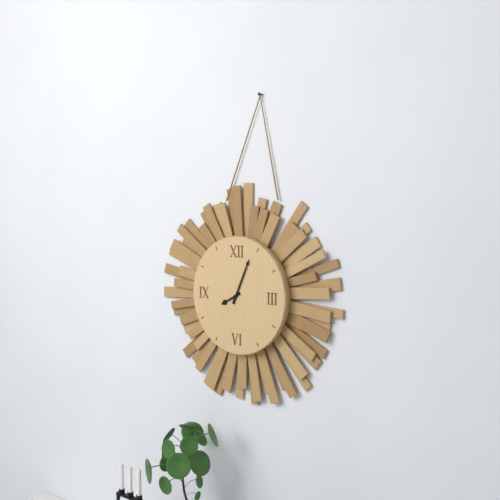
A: 8:04
